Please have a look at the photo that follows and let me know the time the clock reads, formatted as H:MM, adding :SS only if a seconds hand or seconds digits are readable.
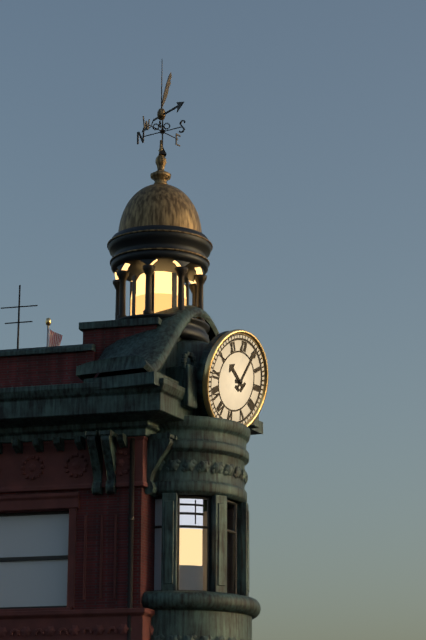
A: 10:04
